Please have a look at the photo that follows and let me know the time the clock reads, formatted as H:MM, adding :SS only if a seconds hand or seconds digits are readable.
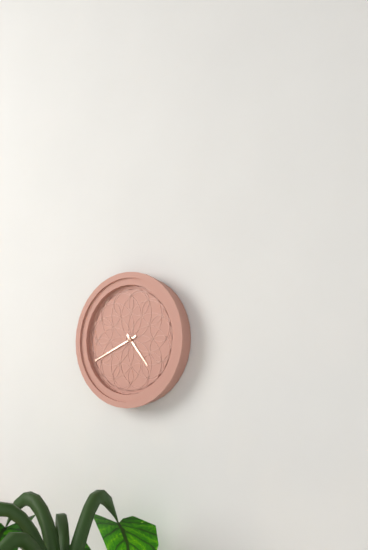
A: 4:41
